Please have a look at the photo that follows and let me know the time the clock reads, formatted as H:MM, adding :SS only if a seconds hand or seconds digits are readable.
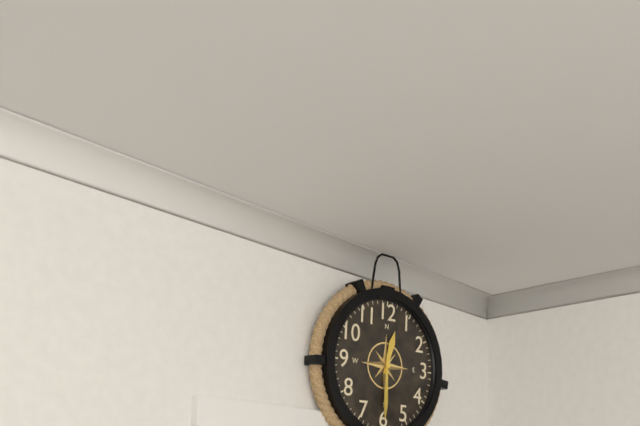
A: 12:30
